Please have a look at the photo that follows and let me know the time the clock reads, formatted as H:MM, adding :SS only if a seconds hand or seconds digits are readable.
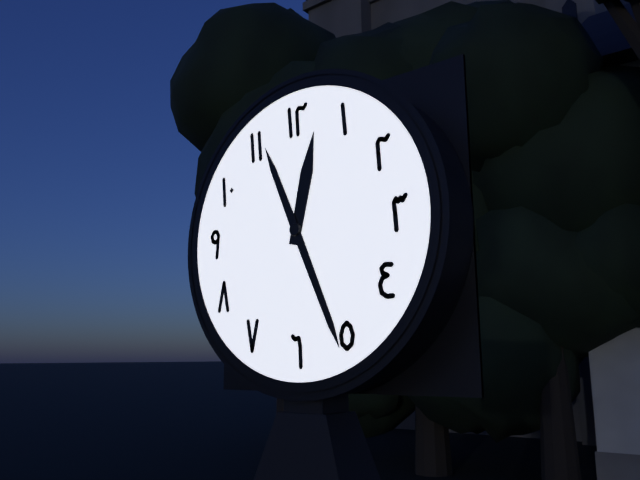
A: 12:26
